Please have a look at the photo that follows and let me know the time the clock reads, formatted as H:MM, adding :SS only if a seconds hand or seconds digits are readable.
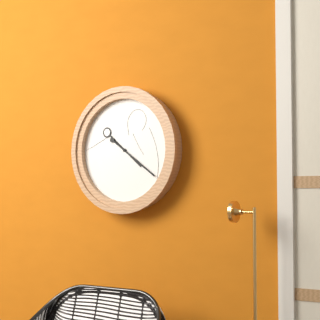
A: 4:21
